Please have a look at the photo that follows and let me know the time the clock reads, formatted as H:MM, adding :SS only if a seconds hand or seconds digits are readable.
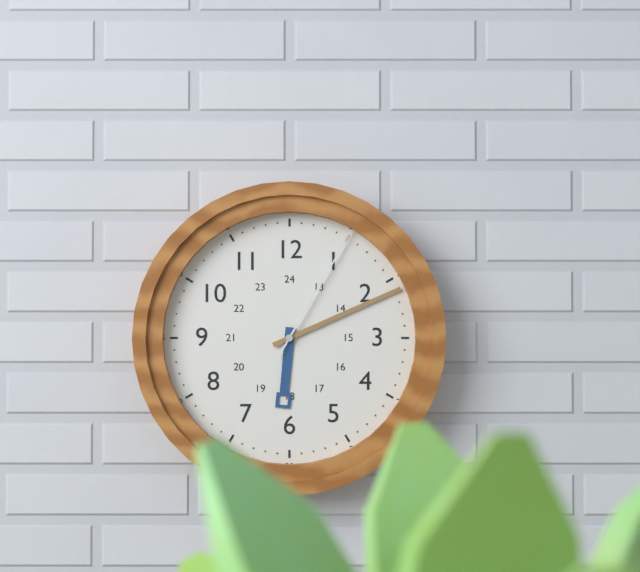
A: 6:11:05
